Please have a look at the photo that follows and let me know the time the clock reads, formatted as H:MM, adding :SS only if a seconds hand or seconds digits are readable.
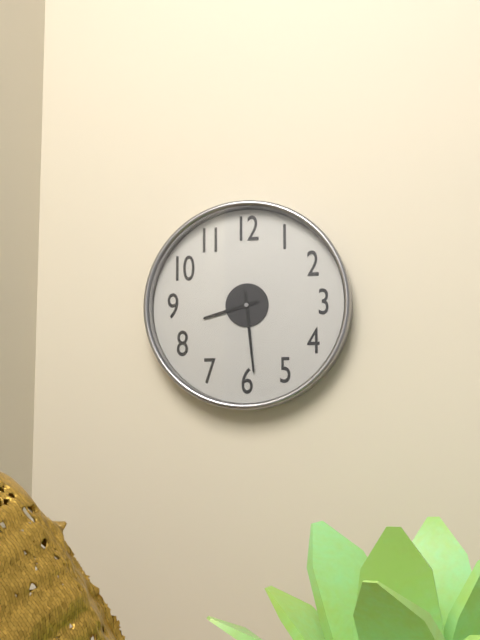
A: 8:29
